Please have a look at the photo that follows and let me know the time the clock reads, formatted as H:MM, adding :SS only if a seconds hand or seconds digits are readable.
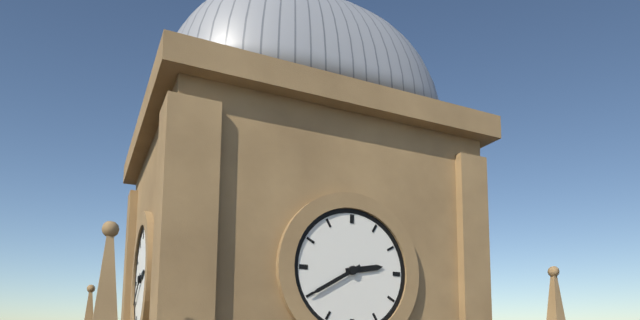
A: 2:40
